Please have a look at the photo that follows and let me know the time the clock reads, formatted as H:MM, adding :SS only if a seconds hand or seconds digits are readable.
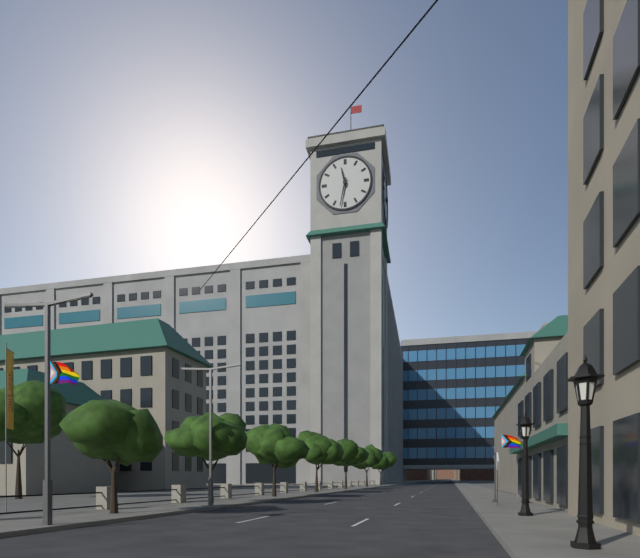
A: 11:32
